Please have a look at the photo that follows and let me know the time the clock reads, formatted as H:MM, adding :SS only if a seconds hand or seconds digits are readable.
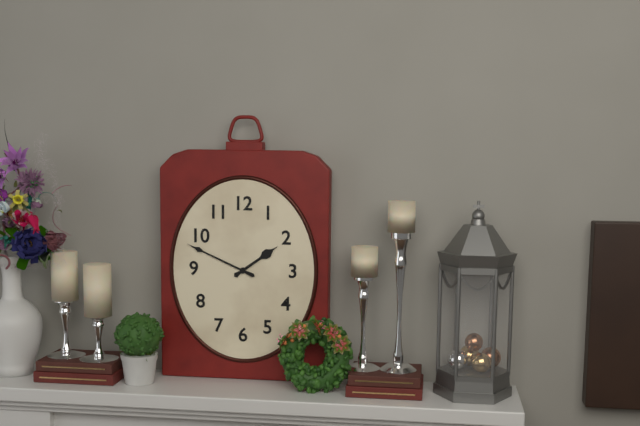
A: 1:49
